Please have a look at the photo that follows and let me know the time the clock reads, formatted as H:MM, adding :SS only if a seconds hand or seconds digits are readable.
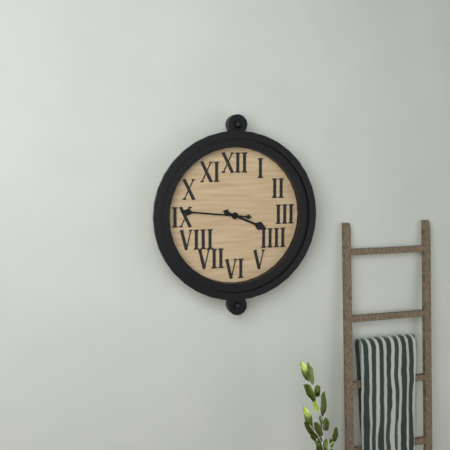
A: 3:46
